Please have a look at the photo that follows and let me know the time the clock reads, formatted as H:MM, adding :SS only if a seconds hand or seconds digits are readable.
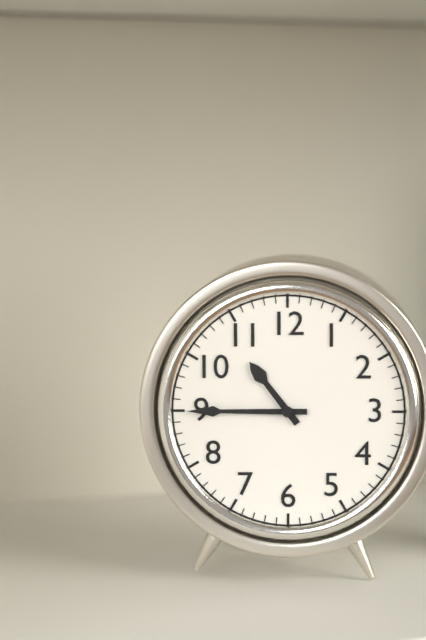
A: 10:45
